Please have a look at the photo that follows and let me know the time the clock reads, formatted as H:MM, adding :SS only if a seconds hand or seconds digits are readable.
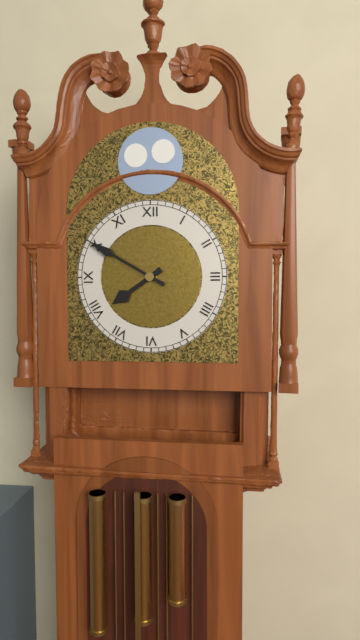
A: 7:50
